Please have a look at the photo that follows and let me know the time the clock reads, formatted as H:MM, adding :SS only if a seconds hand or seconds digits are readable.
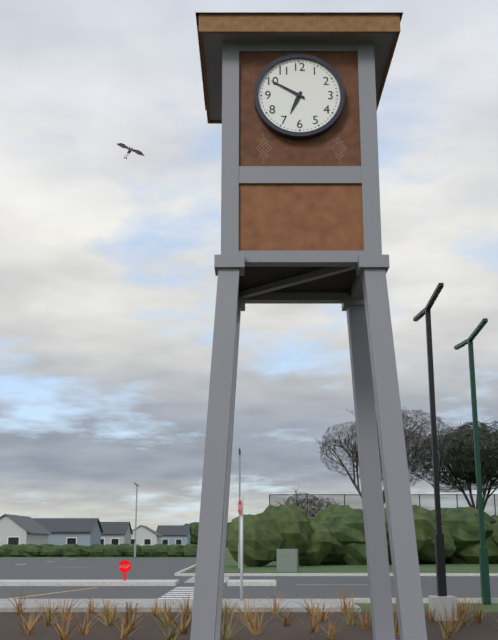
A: 6:50
